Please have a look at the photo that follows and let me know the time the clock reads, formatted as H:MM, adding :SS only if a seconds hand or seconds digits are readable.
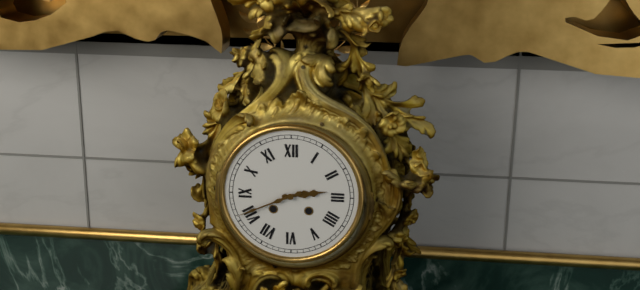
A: 2:41
